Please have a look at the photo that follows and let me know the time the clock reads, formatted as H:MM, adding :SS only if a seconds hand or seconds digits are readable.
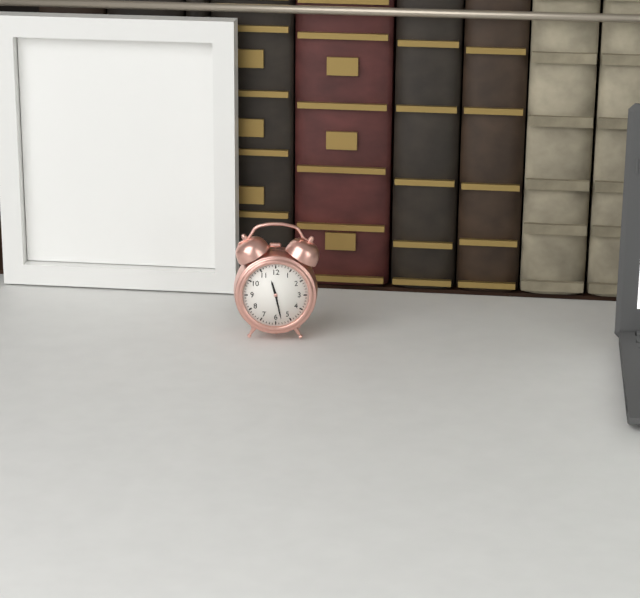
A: 11:28
